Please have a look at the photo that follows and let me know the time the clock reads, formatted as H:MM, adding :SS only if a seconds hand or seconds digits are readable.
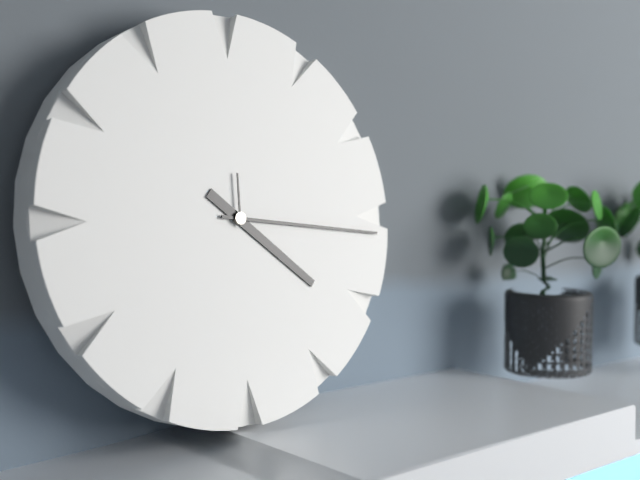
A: 4:16:00
